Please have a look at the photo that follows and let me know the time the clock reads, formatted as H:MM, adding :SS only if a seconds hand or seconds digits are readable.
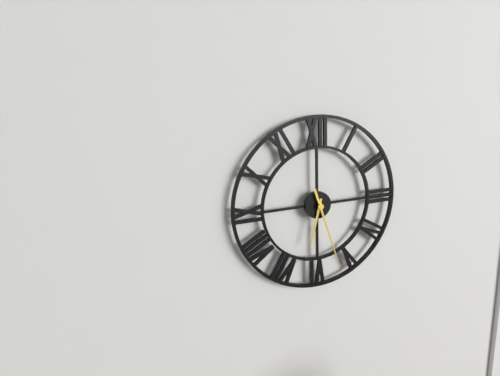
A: 6:27
